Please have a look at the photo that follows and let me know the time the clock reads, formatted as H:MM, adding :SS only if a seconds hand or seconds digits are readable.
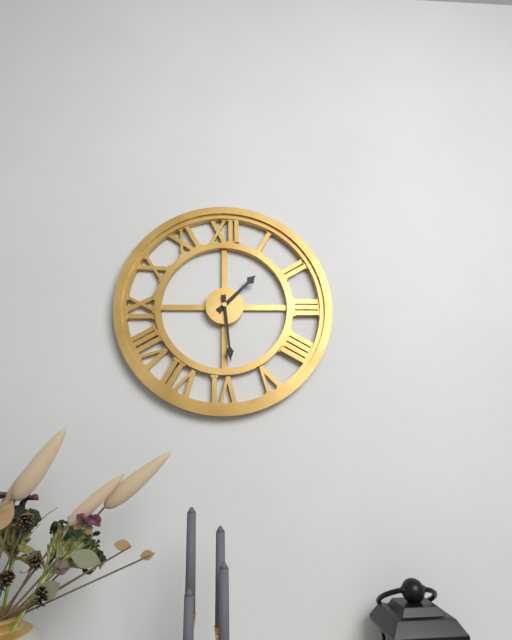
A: 1:29
